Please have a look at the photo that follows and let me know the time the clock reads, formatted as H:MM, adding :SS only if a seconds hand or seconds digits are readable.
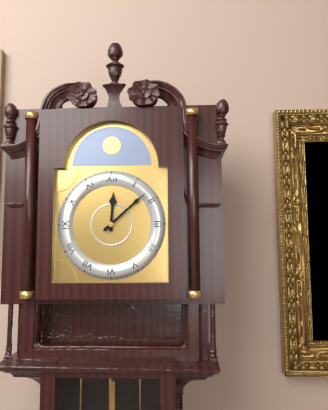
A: 12:08
